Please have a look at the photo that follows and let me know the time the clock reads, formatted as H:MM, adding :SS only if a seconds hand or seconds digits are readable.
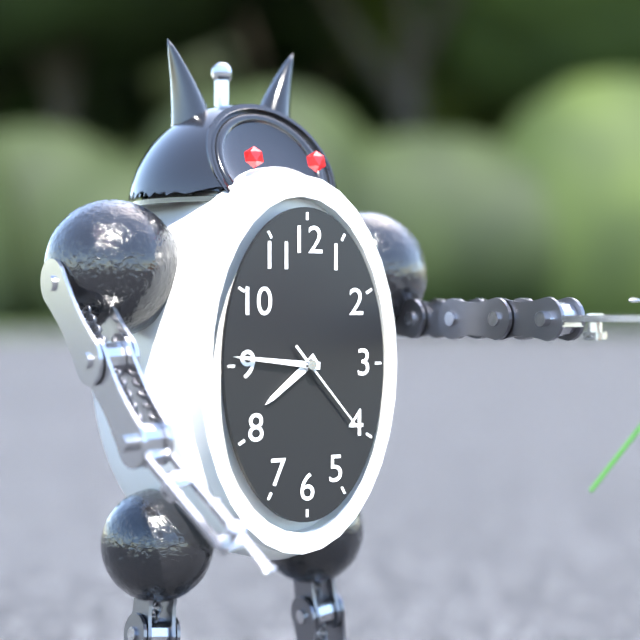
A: 7:46:23
